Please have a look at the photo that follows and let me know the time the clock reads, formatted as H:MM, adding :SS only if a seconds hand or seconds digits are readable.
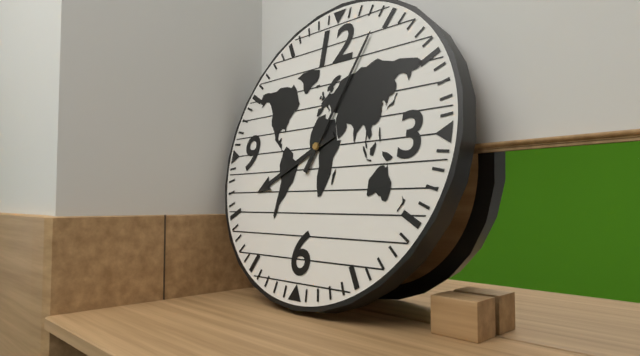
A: 8:04
